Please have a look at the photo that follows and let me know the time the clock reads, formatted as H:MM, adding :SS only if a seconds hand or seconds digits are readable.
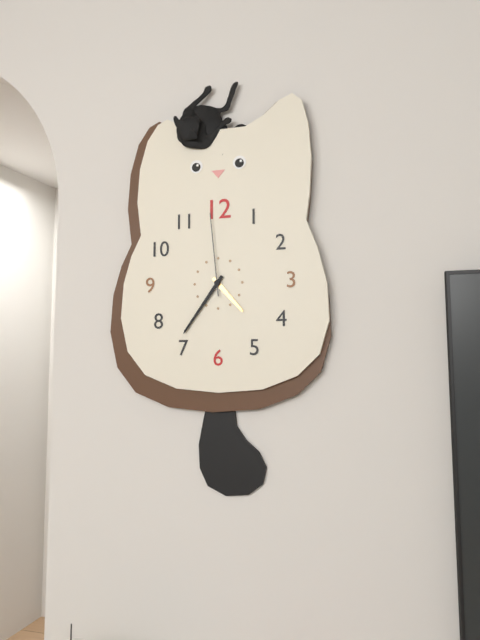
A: 4:36:59
